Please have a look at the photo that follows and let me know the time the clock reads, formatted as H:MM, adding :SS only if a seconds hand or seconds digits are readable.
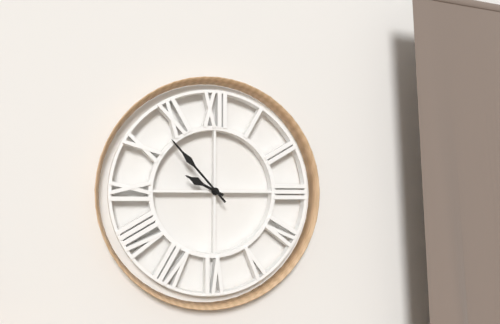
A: 9:53
